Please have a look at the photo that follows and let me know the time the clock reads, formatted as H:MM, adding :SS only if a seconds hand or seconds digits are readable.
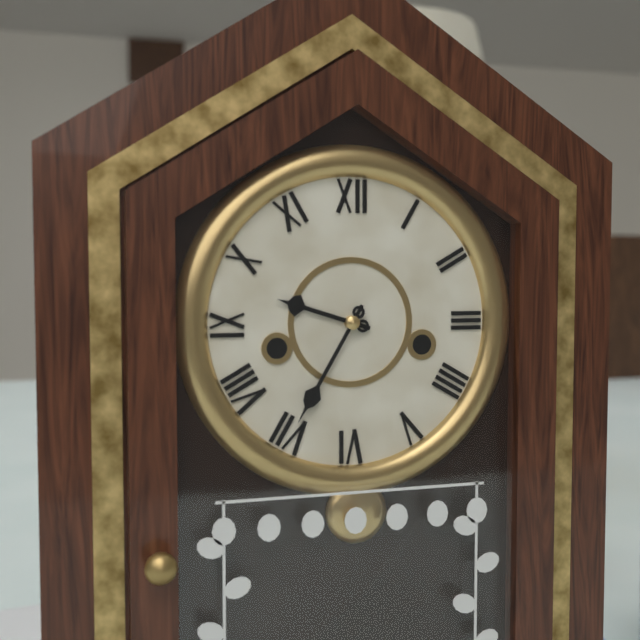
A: 9:35
